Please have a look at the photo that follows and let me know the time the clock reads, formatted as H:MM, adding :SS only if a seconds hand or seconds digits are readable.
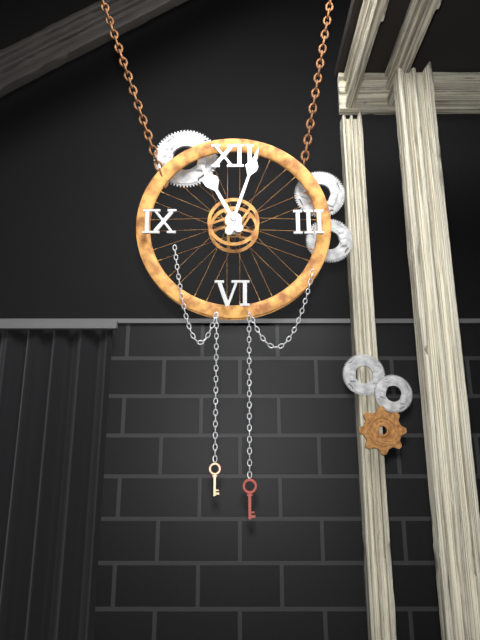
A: 11:03
